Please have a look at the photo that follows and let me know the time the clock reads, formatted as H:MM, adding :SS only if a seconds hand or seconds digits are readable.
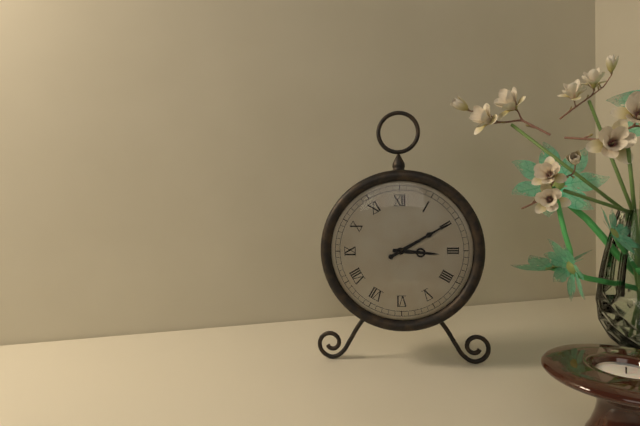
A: 3:10
